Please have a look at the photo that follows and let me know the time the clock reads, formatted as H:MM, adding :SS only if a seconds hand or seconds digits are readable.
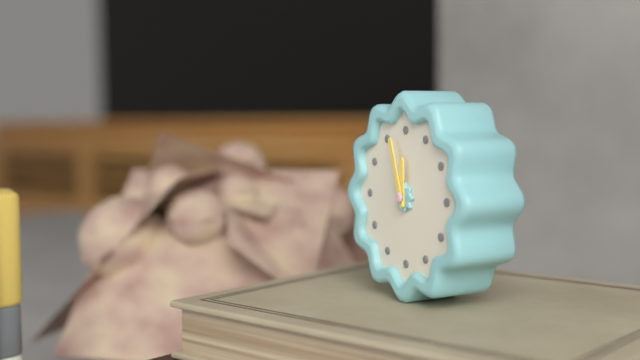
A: 11:57
